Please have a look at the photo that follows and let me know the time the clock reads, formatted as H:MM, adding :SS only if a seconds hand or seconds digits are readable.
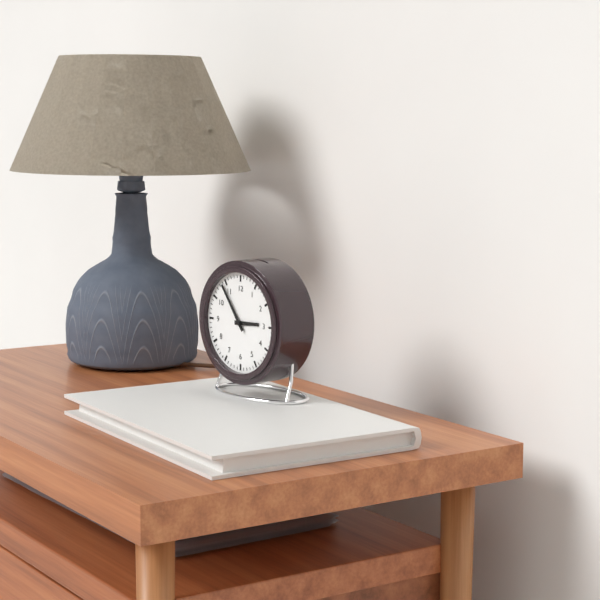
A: 2:54
